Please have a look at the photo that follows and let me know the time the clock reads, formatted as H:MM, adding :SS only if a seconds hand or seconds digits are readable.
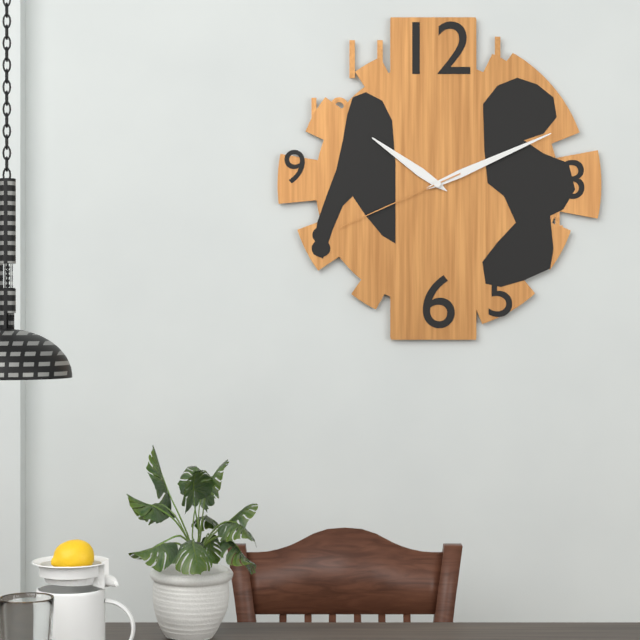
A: 10:11:41
